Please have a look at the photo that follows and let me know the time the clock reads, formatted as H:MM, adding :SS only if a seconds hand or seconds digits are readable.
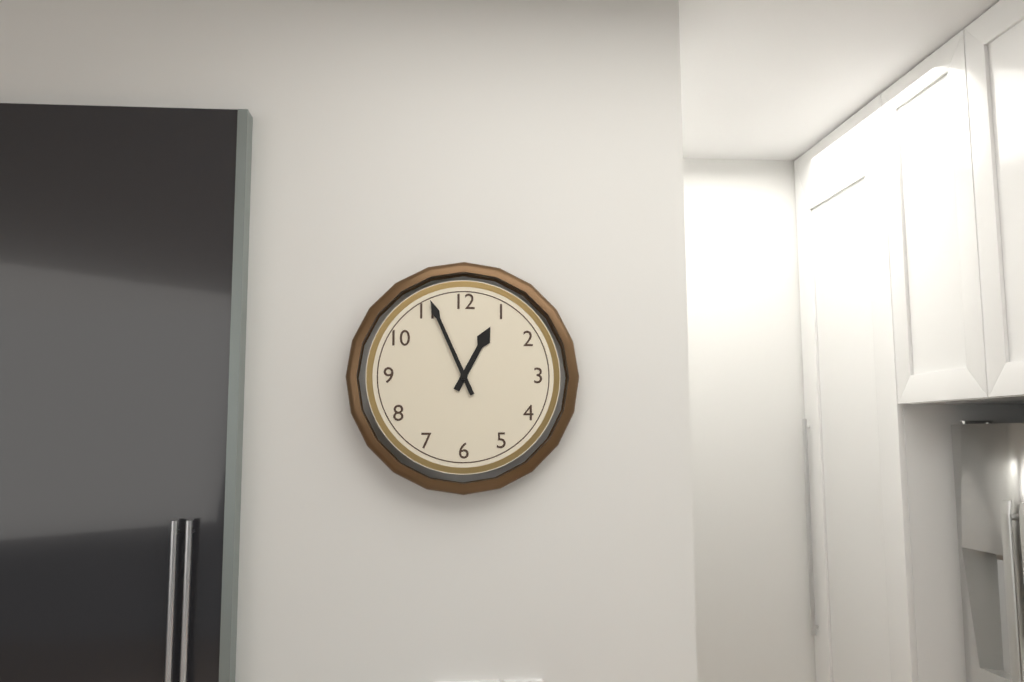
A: 12:56
